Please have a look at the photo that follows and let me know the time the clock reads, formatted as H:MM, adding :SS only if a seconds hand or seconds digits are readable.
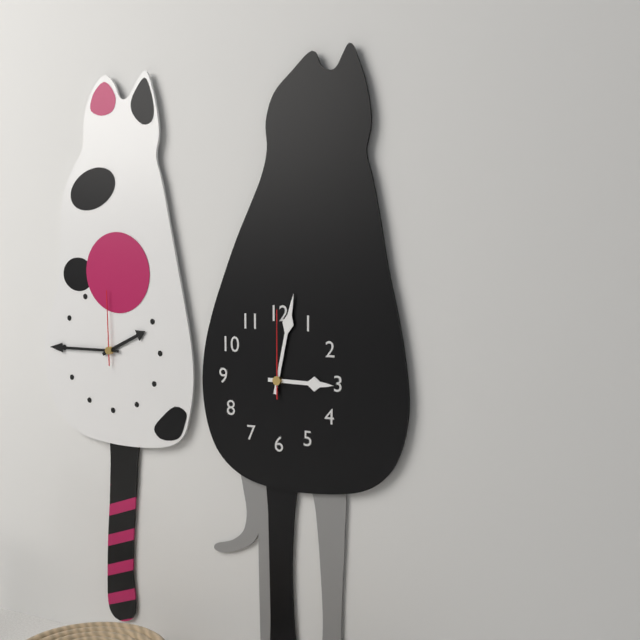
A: 3:02:00
